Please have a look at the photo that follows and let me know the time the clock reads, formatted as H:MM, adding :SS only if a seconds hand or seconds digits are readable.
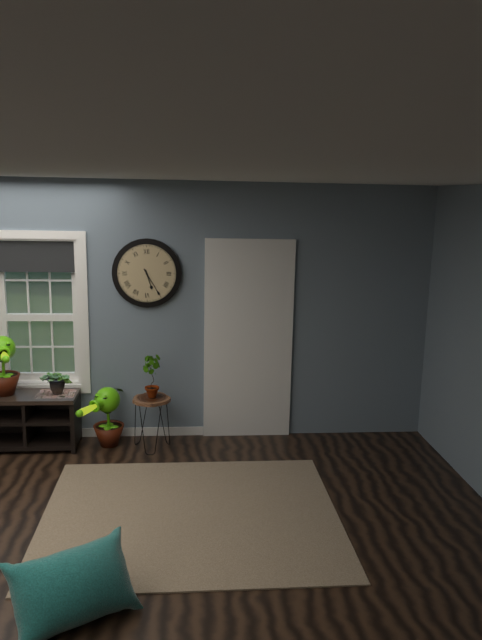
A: 5:25
